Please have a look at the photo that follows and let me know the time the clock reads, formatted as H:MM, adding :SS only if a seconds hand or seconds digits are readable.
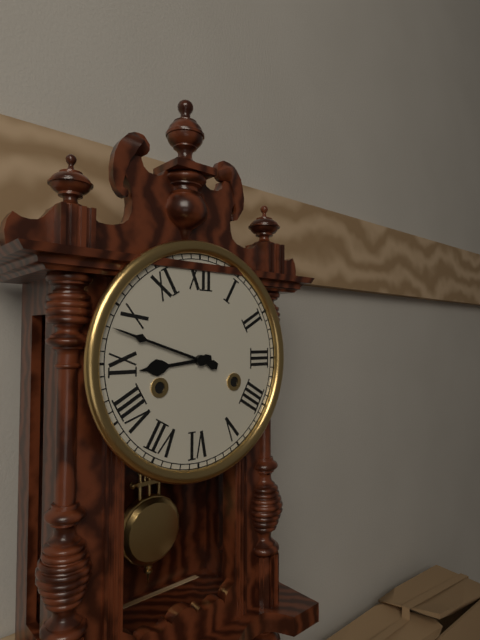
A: 8:48
